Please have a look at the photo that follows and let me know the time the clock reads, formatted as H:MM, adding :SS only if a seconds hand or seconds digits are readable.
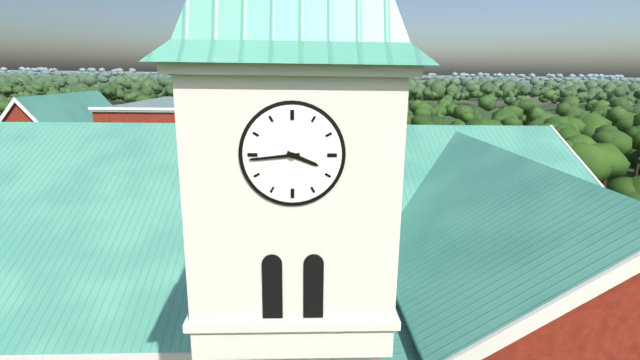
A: 3:44
